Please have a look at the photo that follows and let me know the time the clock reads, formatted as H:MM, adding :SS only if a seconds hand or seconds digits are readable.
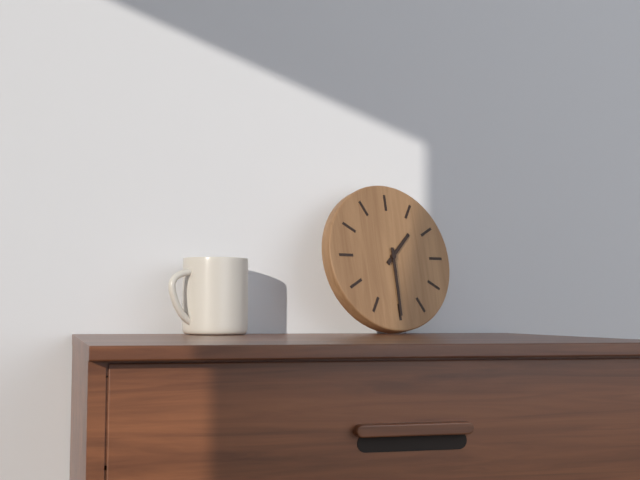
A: 1:30
